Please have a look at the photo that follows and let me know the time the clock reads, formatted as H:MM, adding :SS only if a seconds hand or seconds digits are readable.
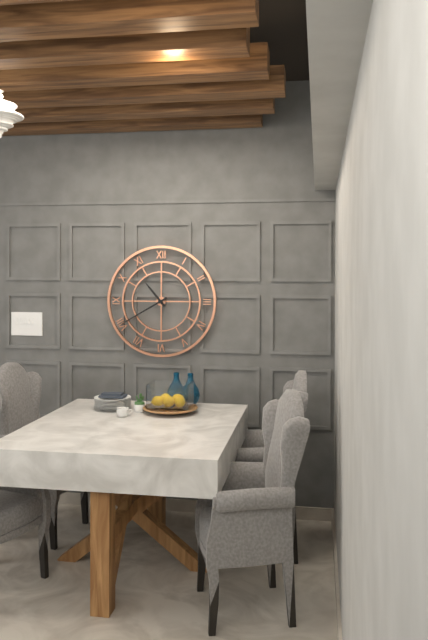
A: 10:40
